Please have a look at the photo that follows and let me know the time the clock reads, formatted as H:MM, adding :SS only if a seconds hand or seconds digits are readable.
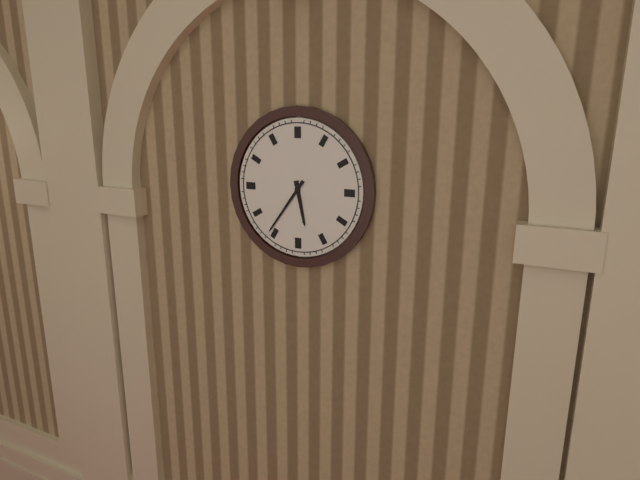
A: 5:36
